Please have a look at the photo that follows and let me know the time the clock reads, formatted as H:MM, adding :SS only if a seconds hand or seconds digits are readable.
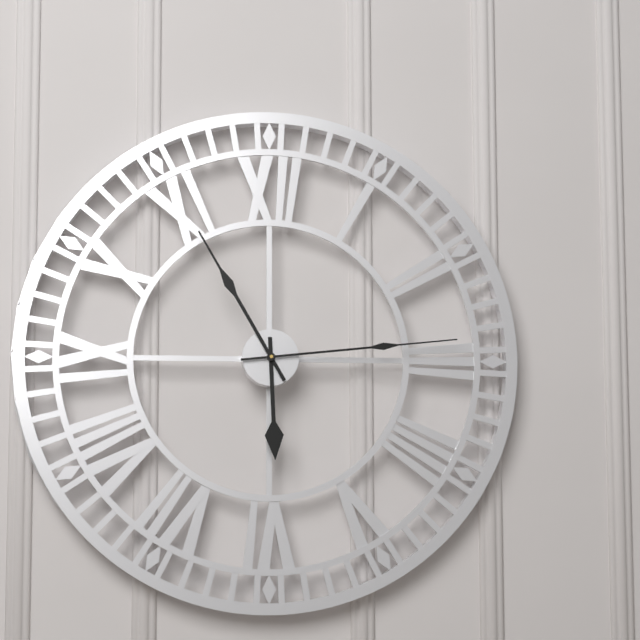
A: 5:55:14
